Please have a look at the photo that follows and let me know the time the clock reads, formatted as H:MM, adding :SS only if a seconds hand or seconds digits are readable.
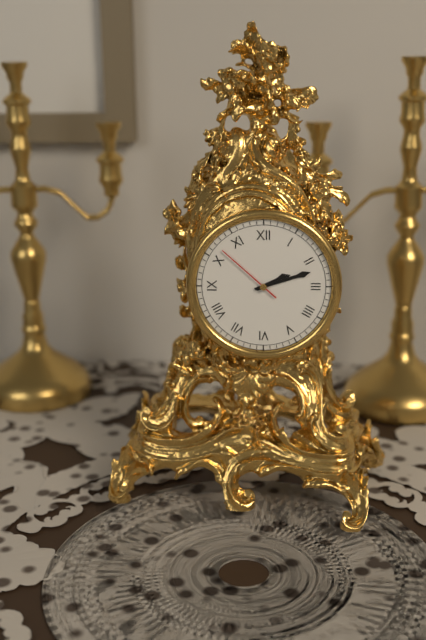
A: 2:12:52
